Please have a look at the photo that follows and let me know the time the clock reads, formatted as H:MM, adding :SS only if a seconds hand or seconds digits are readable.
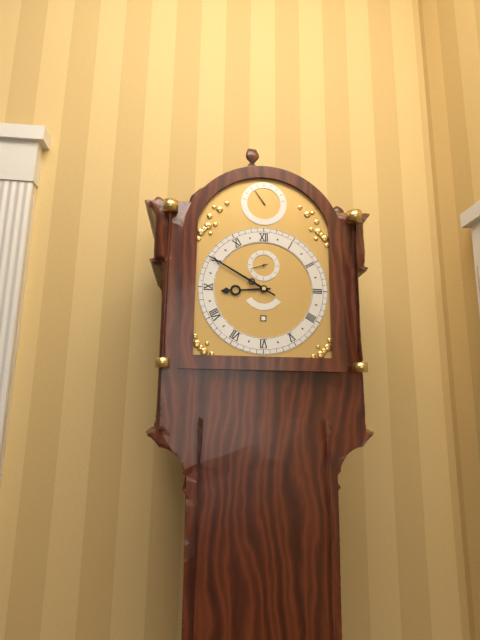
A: 8:50
